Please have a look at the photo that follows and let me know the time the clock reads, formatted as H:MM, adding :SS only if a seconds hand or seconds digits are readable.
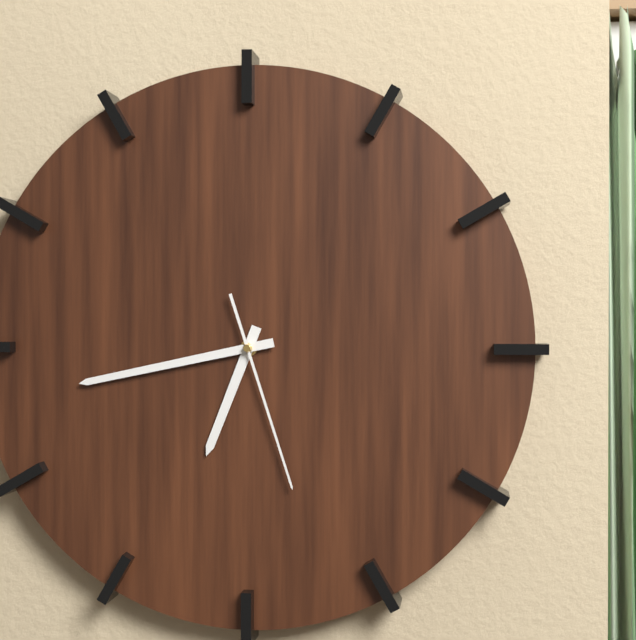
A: 6:43:27
